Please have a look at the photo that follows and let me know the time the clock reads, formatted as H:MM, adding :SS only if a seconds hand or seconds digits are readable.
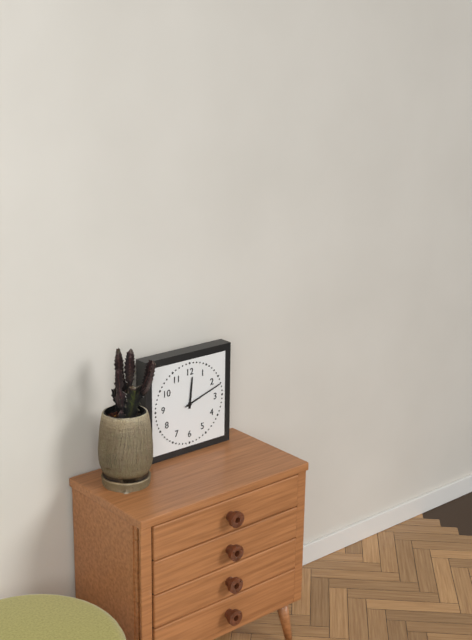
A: 12:12
